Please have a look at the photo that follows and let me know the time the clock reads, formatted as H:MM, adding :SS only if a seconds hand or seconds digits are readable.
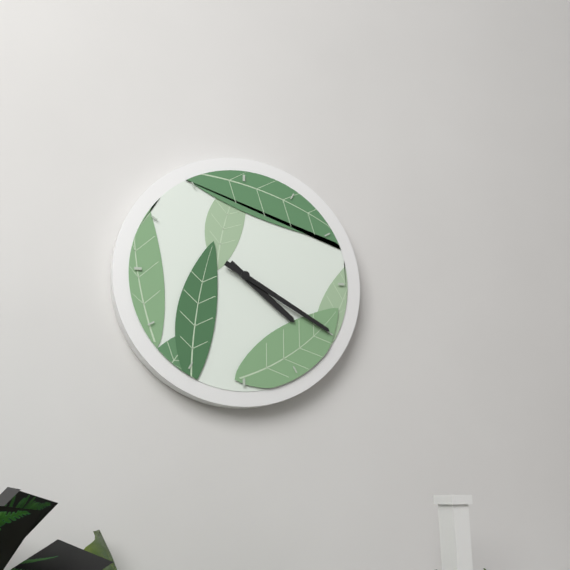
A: 4:20
